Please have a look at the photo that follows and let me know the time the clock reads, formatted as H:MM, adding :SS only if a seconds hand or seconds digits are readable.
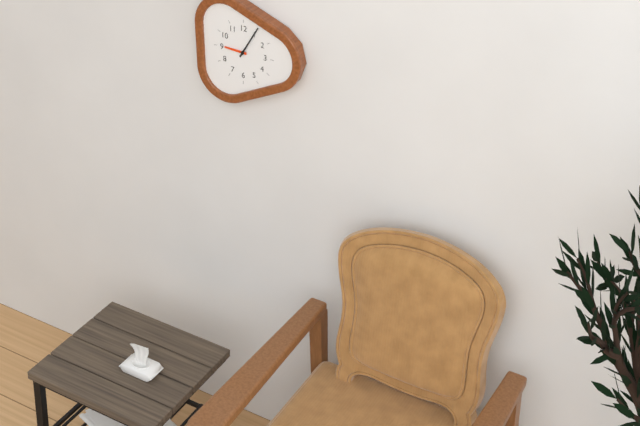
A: 9:05
